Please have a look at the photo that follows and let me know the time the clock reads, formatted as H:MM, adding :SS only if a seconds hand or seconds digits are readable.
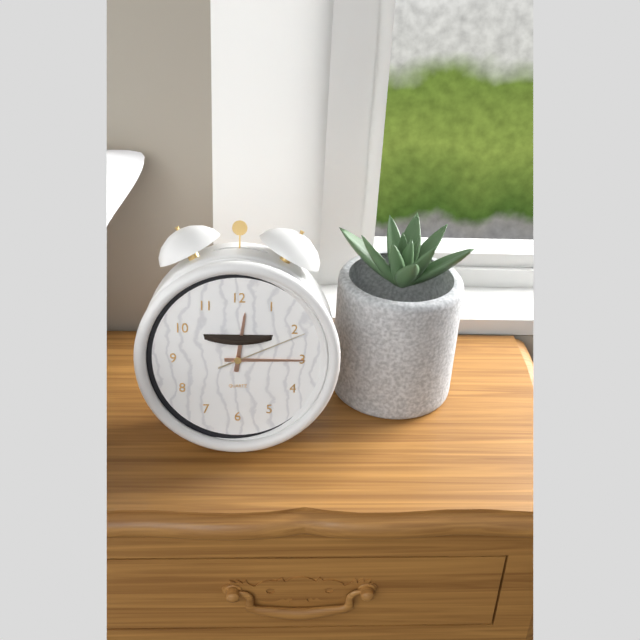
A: 12:15:11
